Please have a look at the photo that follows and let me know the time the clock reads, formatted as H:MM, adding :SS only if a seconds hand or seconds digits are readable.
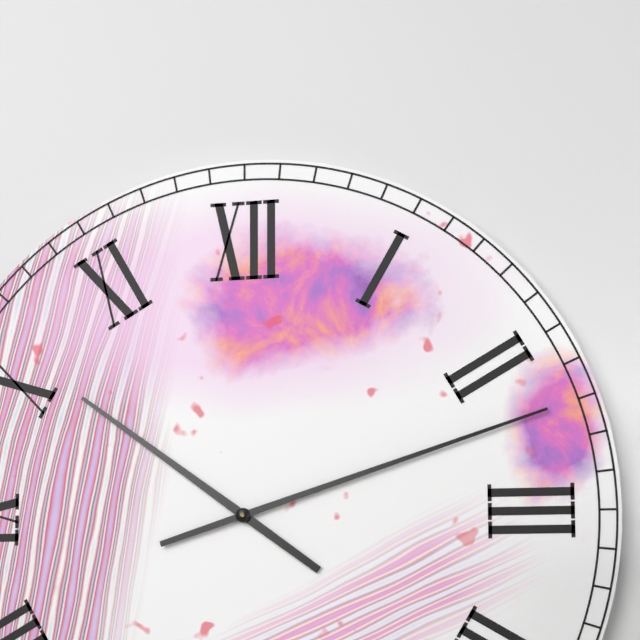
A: 10:12
